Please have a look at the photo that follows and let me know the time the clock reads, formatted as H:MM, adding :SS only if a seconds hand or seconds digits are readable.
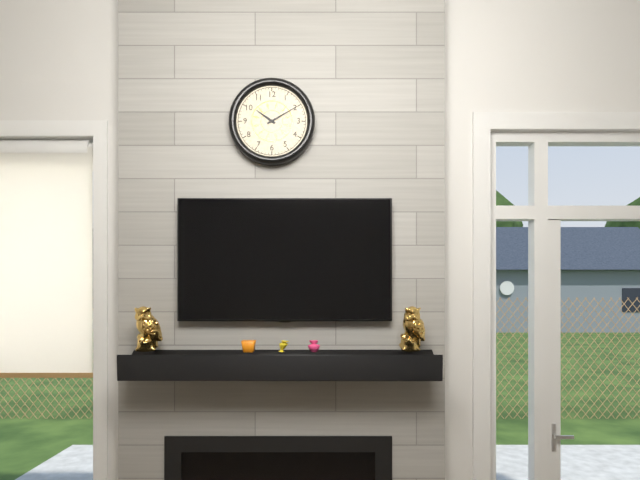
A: 10:10
